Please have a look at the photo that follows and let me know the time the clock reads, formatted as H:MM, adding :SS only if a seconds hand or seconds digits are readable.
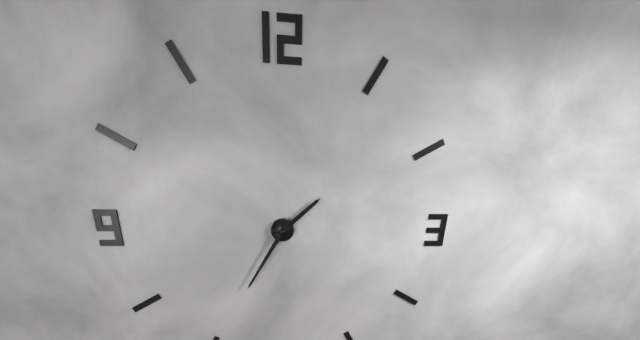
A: 1:35
